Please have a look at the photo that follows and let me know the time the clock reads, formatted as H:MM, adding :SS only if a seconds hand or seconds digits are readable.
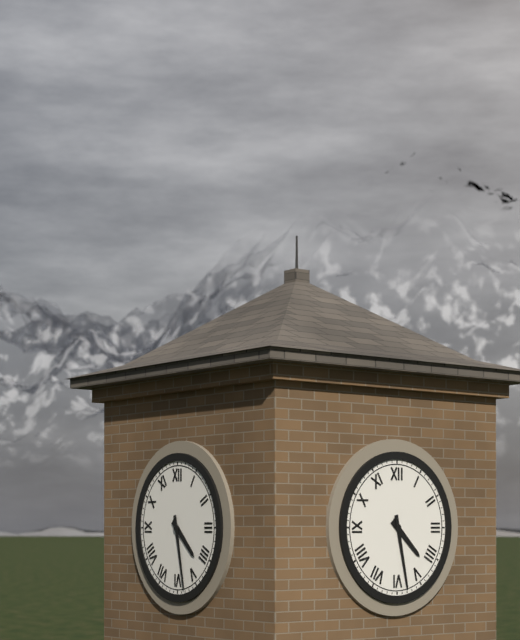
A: 4:28
